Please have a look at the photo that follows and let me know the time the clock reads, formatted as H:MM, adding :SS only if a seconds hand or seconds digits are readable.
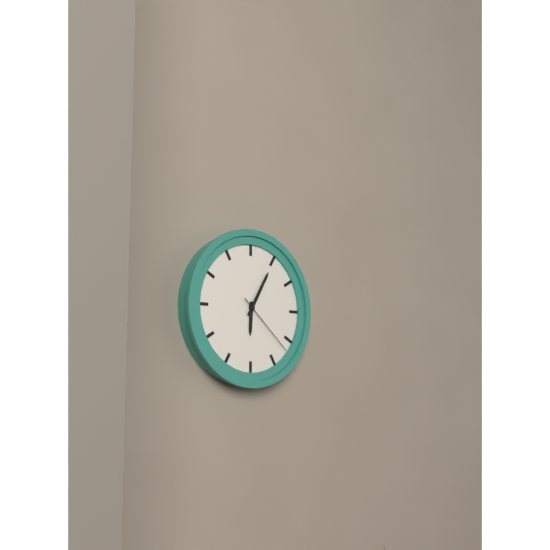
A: 6:05:22
